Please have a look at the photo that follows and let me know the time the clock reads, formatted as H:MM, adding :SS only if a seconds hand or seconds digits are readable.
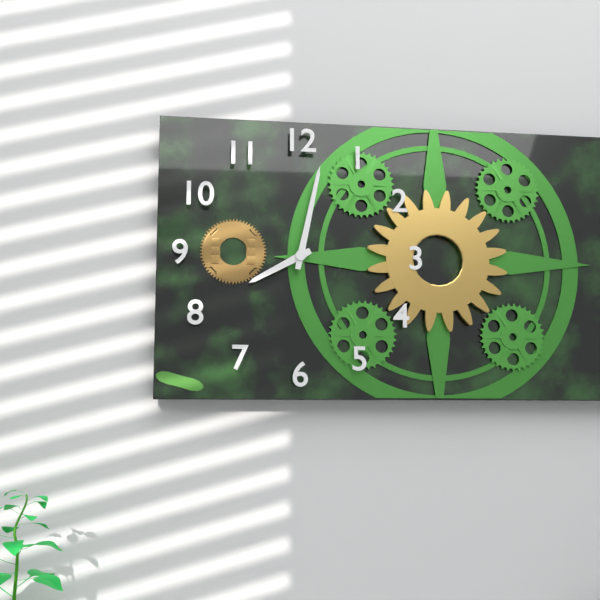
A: 8:02
